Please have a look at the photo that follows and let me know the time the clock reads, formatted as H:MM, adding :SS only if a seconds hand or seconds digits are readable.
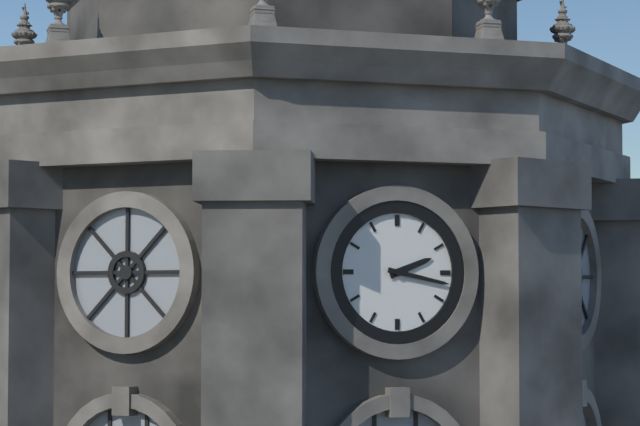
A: 2:17
